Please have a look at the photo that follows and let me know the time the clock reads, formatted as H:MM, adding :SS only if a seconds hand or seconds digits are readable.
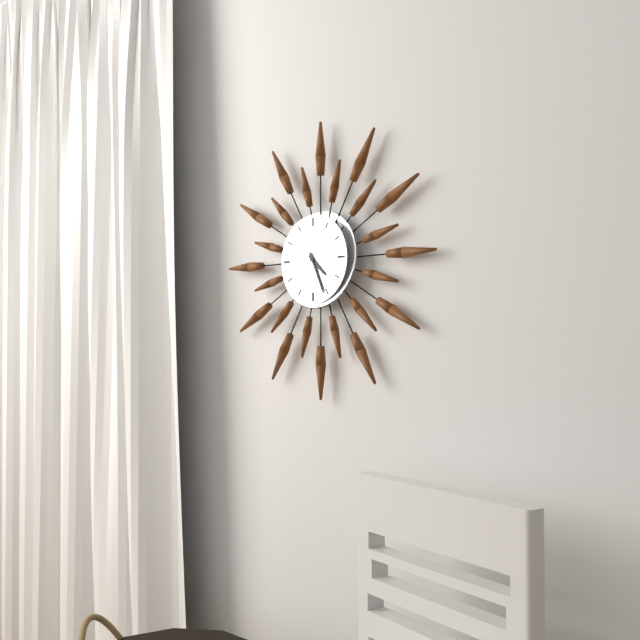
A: 4:26
